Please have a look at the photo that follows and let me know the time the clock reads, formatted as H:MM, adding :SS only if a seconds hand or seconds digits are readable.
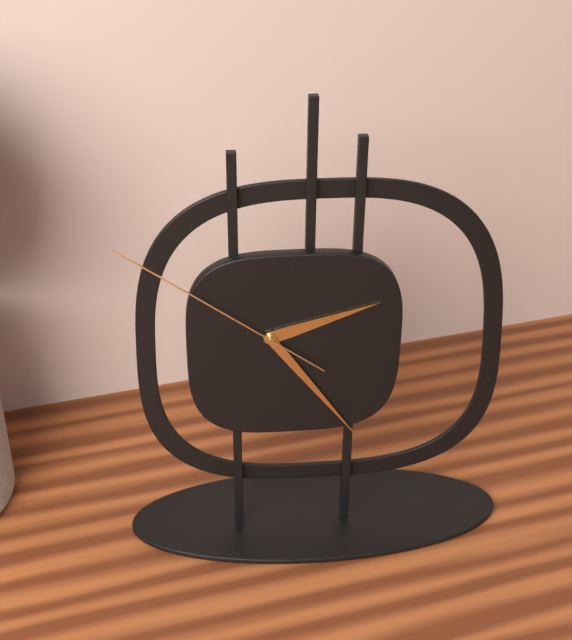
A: 2:24:51
